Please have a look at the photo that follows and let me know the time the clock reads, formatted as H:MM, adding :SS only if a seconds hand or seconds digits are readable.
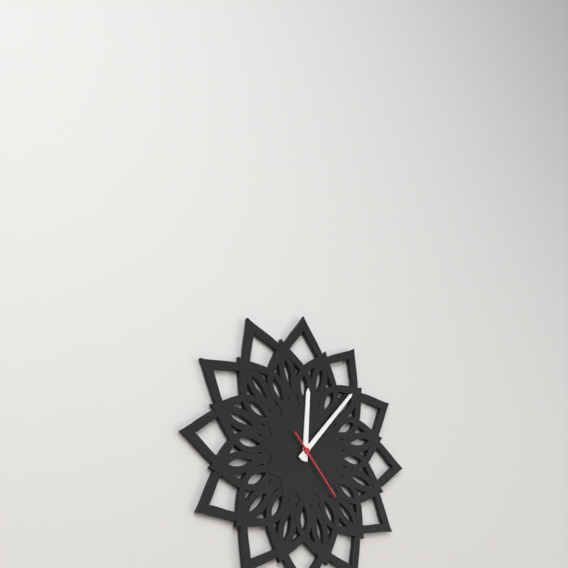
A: 12:07:23
